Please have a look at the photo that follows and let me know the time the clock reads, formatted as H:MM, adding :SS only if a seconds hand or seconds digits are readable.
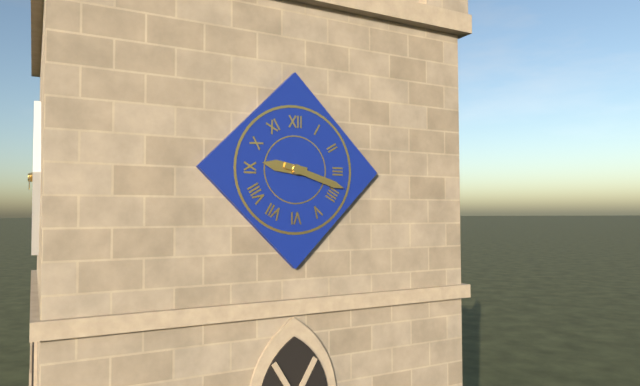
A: 9:18
